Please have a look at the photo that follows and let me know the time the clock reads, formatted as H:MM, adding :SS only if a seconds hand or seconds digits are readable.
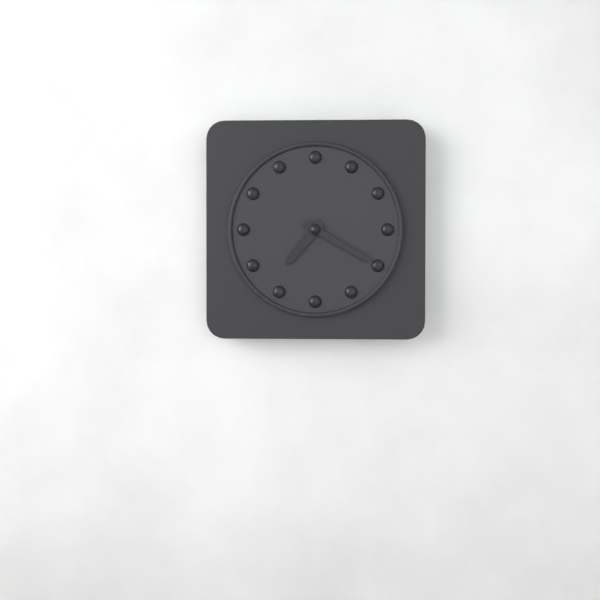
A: 7:20
